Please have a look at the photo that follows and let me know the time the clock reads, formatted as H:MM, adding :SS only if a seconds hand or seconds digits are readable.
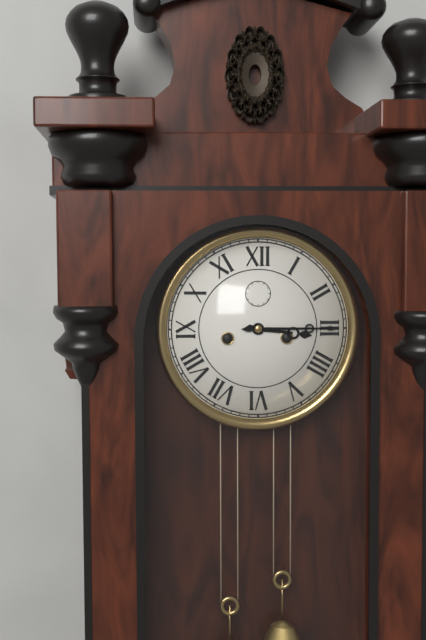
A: 3:15
